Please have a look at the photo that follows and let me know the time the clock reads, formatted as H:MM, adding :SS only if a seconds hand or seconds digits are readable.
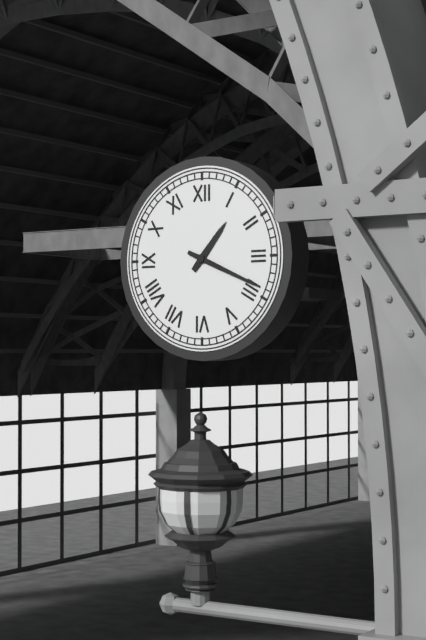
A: 1:19
